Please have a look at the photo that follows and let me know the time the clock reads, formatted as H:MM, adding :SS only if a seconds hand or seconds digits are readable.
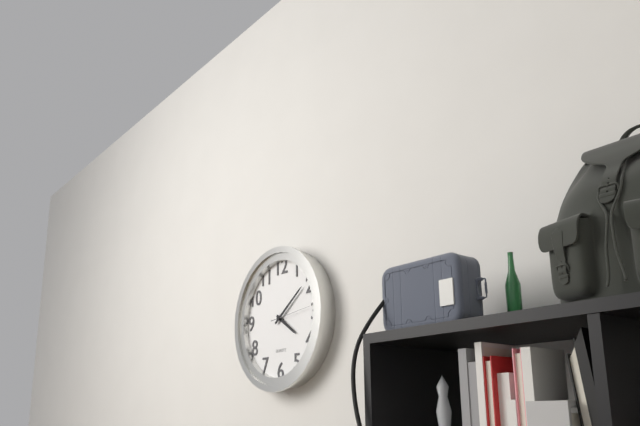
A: 4:09
